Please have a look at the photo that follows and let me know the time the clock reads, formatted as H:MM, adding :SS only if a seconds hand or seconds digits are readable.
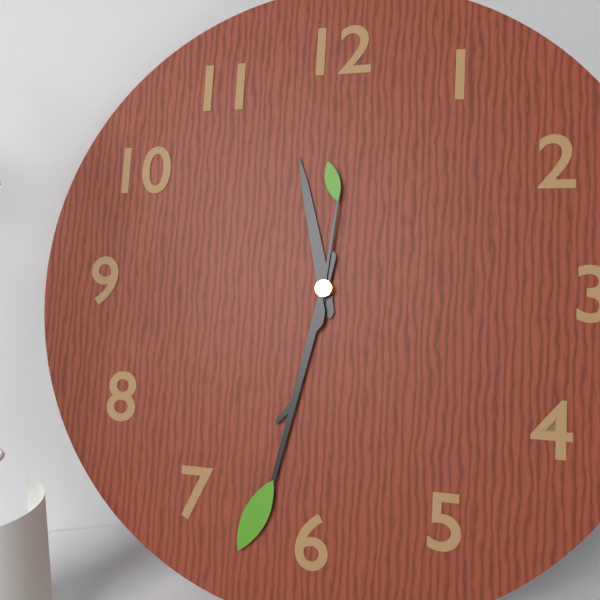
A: 11:32:01
